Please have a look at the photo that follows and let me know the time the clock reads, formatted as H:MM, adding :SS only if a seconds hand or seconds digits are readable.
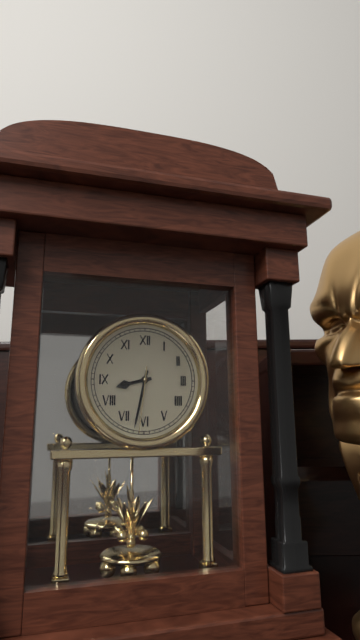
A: 8:32:31
